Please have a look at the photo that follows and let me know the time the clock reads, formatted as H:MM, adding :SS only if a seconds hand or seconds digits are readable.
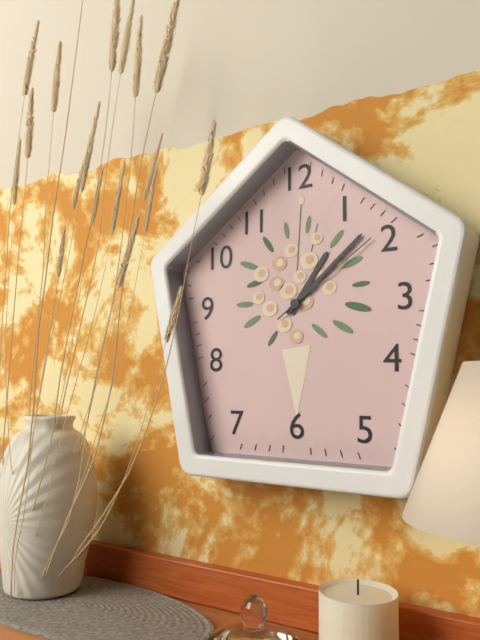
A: 1:08:09
